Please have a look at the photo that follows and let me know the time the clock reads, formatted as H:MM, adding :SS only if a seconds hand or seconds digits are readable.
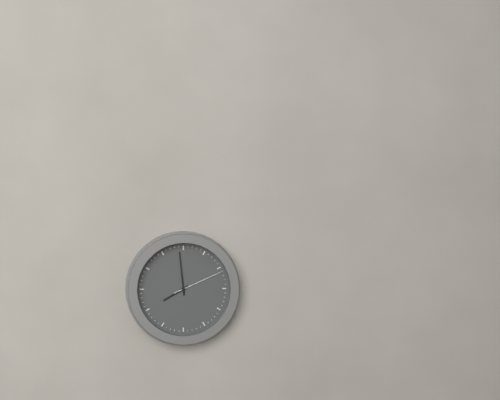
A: 7:59:11
